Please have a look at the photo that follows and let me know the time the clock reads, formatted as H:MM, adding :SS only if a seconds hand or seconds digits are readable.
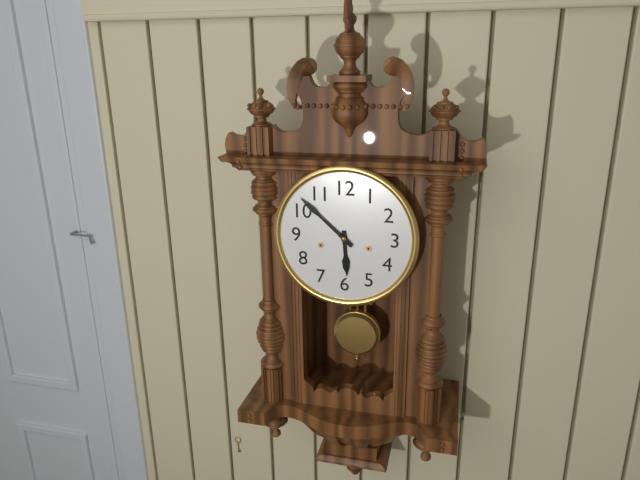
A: 5:52
